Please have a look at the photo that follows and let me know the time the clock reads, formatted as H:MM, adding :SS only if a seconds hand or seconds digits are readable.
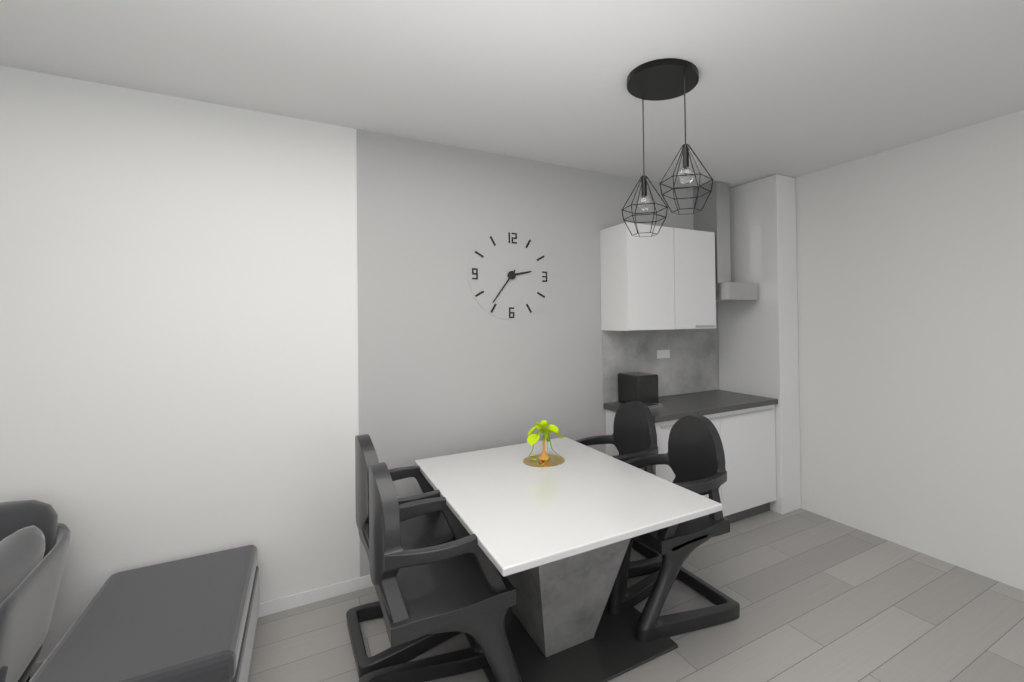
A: 2:36
